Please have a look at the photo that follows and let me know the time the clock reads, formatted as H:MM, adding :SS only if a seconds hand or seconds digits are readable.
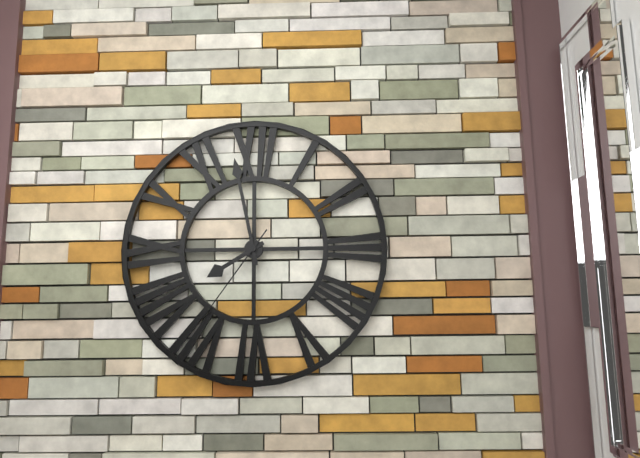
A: 7:58:36
